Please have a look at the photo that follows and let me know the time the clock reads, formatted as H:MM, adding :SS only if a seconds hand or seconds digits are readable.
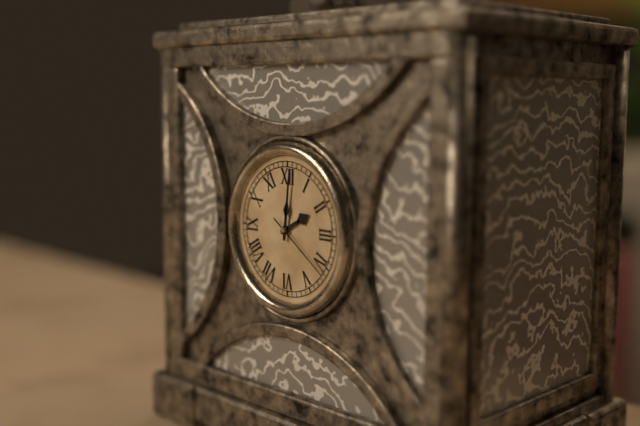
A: 2:01:21
